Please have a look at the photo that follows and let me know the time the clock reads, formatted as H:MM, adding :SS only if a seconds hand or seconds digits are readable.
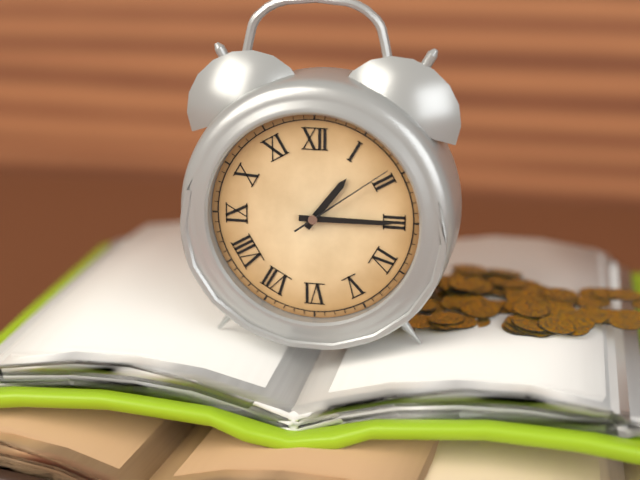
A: 1:15:09
